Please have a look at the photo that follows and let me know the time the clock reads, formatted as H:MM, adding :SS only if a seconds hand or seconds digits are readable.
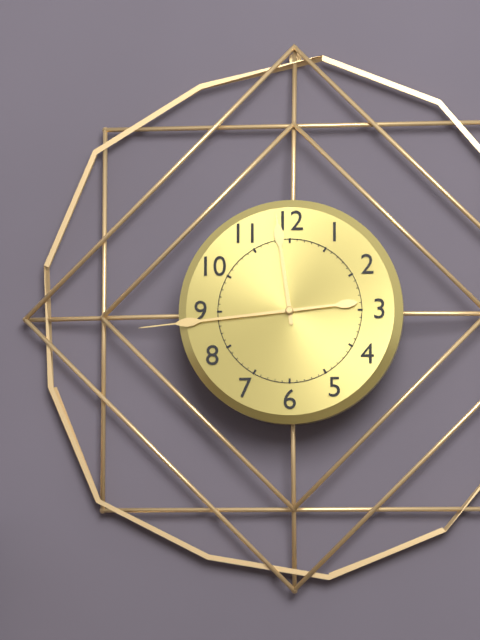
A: 11:44
